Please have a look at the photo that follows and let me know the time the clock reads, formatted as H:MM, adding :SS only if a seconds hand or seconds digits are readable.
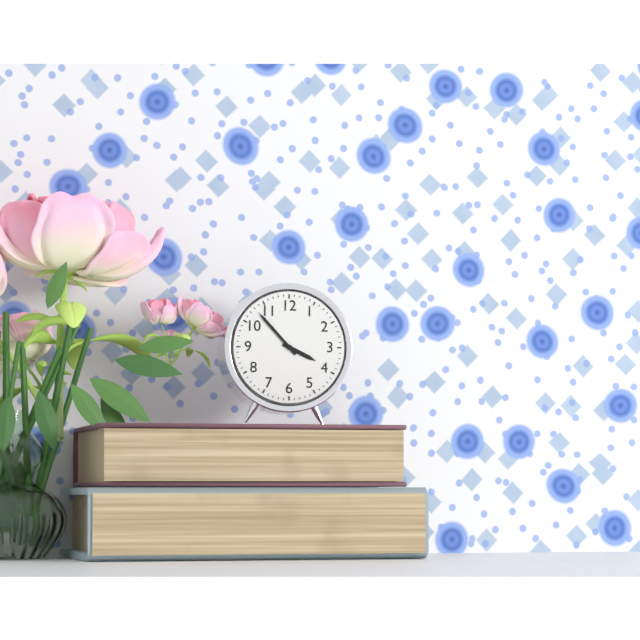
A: 3:53
